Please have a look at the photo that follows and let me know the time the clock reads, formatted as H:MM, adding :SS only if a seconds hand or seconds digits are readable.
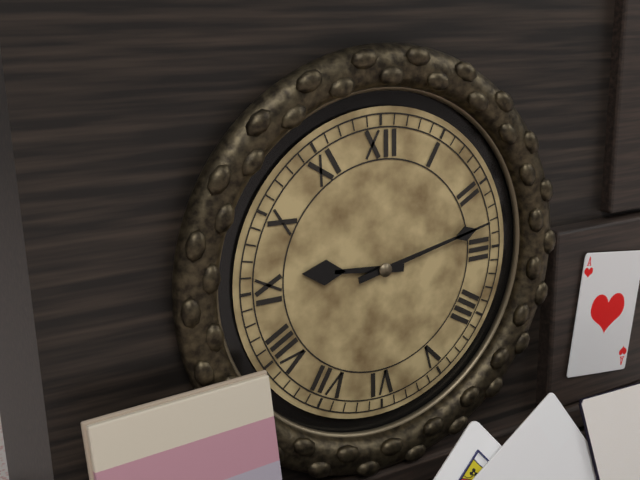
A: 9:13
